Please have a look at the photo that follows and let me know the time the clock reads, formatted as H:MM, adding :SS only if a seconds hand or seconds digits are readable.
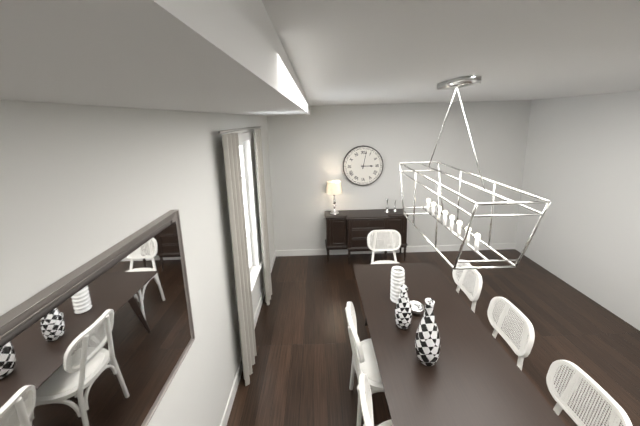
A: 3:02
